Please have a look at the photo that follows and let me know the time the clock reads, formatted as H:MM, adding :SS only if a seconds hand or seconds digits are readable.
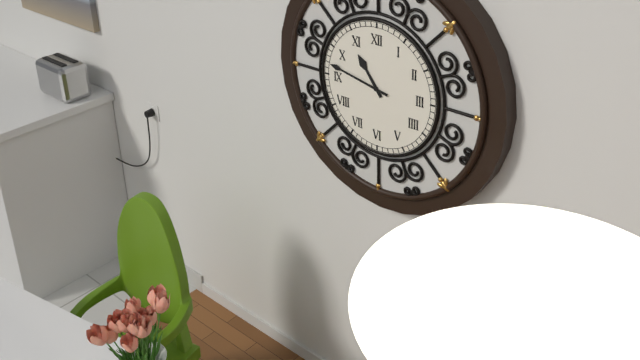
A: 10:47
